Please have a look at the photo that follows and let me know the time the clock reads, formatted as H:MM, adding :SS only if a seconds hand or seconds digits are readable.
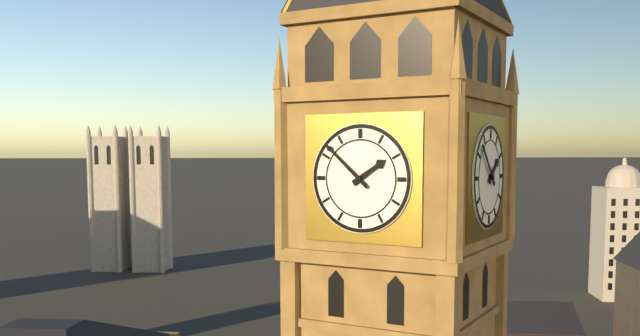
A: 1:52
